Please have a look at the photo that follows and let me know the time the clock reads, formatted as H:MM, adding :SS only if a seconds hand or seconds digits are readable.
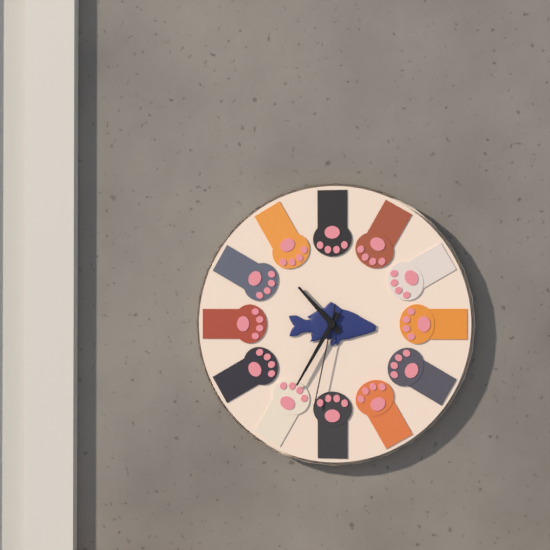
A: 10:35:32
